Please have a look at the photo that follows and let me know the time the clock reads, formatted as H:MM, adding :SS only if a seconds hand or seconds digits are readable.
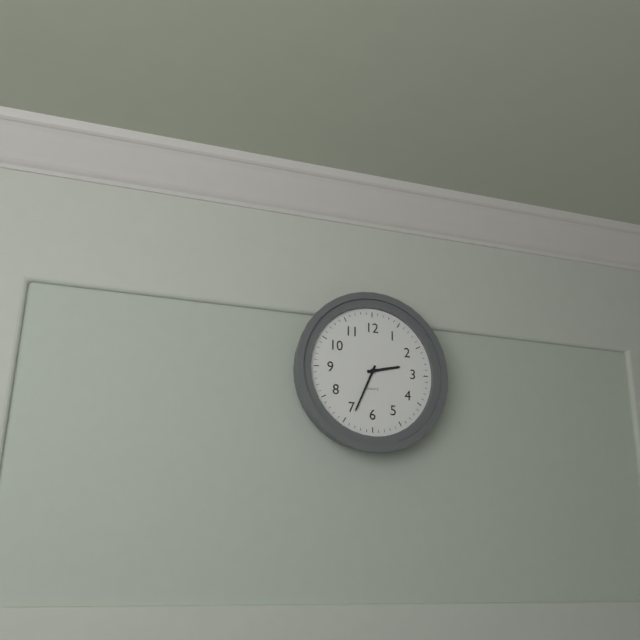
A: 2:34
